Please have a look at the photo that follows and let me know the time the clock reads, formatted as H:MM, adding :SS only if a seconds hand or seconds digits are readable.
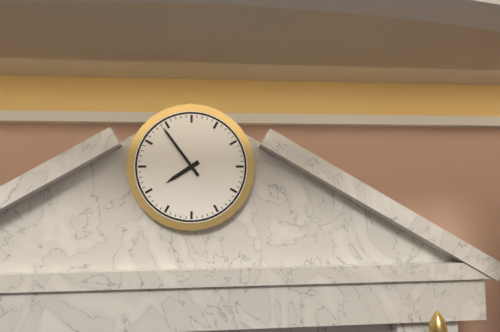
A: 7:54
